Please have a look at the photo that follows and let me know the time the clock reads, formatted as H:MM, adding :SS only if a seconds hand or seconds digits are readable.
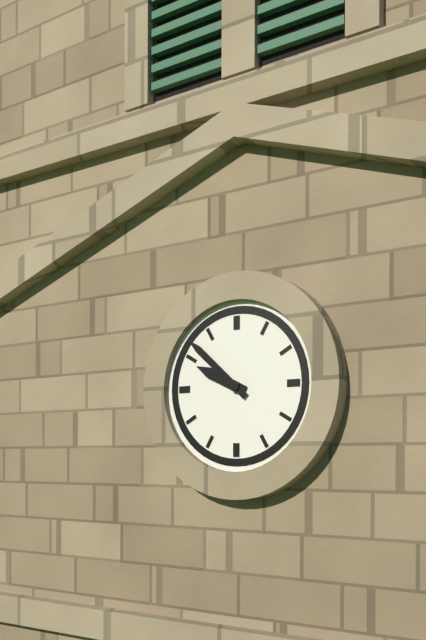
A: 9:52
